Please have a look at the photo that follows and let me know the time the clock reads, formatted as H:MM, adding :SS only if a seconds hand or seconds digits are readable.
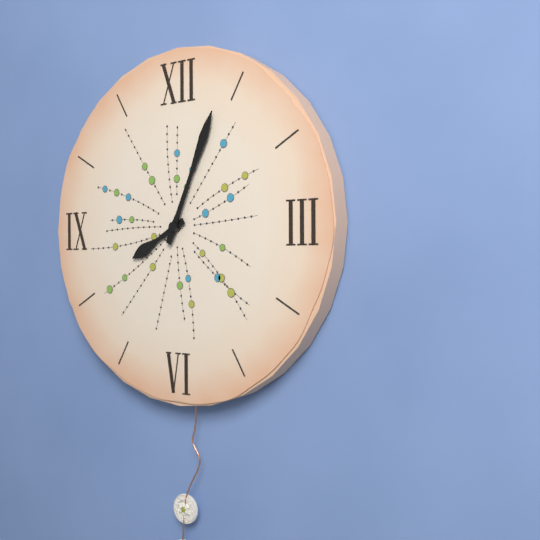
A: 8:04
